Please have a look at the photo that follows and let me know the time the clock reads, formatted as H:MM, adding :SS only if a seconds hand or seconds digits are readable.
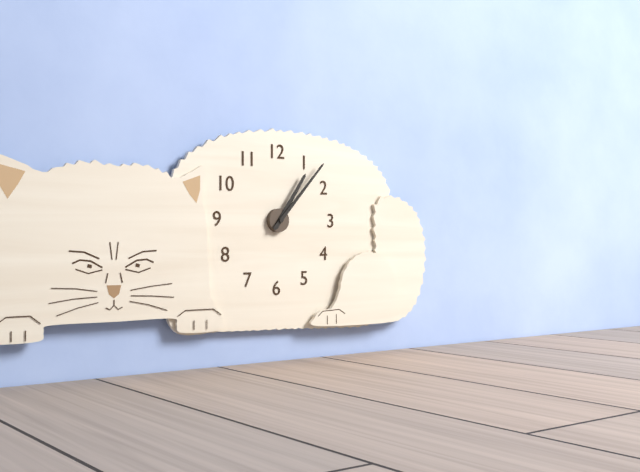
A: 1:07
